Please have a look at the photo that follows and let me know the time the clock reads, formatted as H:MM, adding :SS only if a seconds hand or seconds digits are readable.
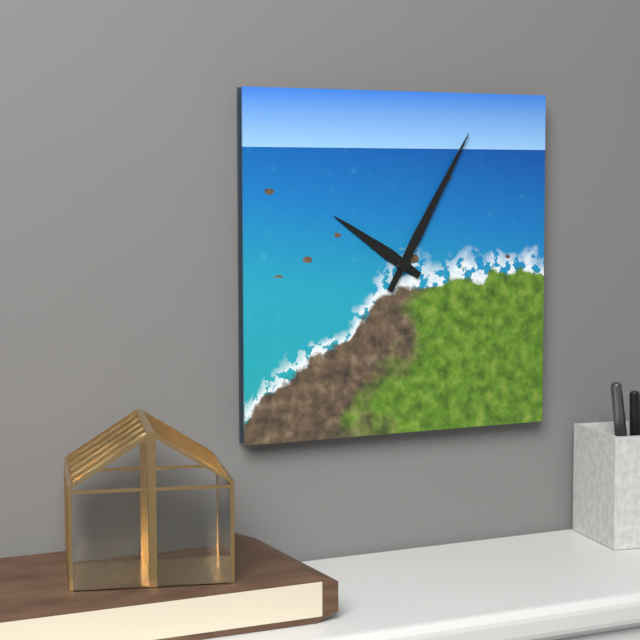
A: 10:05
